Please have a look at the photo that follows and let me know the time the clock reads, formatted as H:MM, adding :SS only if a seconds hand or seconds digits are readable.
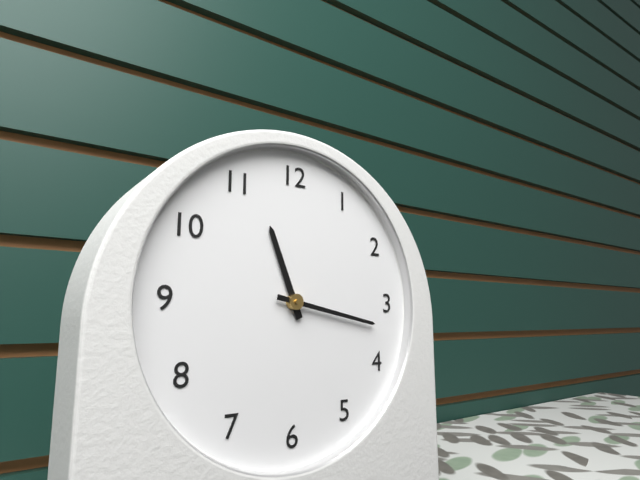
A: 11:17
